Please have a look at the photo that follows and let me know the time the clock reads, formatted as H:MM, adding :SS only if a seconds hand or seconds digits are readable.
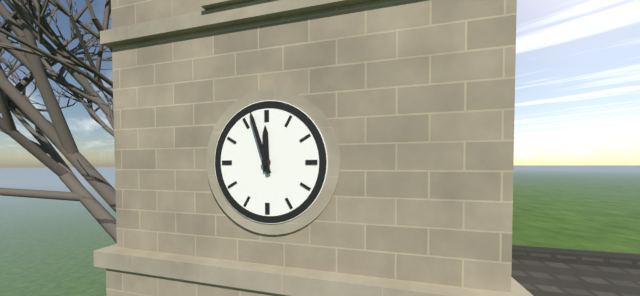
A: 11:57
